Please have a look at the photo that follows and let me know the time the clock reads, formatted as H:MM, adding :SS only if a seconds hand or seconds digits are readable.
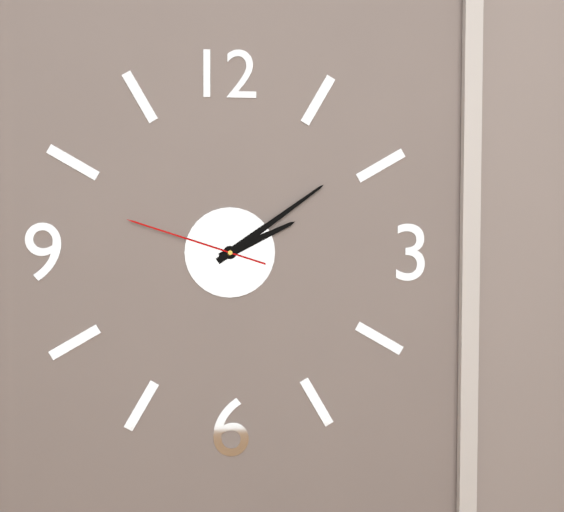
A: 2:09:48
